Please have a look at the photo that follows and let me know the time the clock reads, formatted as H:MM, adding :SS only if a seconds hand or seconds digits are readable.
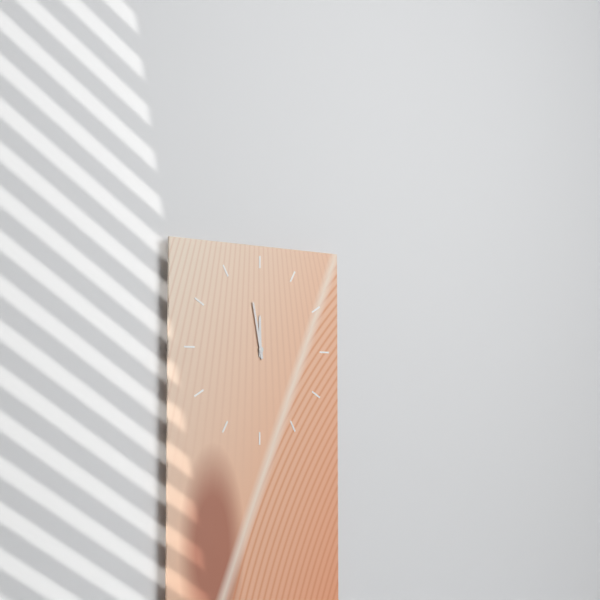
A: 11:58
